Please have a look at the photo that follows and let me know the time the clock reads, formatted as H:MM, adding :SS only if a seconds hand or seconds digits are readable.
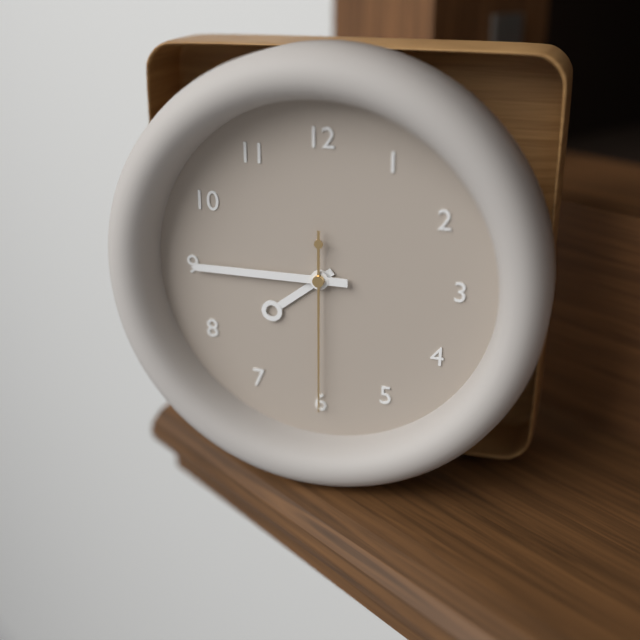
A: 7:45:30
